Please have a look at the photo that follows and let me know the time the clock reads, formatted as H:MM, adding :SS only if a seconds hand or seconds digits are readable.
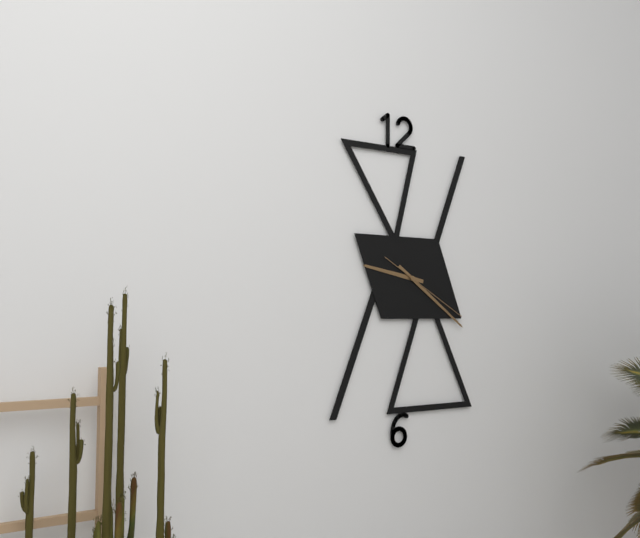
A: 9:21:20
